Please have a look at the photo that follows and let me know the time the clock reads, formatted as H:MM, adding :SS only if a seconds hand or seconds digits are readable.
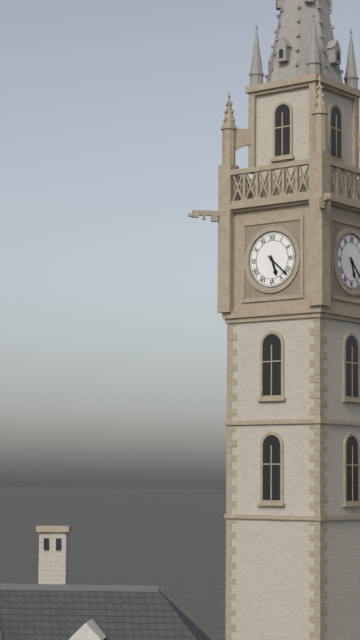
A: 5:22
